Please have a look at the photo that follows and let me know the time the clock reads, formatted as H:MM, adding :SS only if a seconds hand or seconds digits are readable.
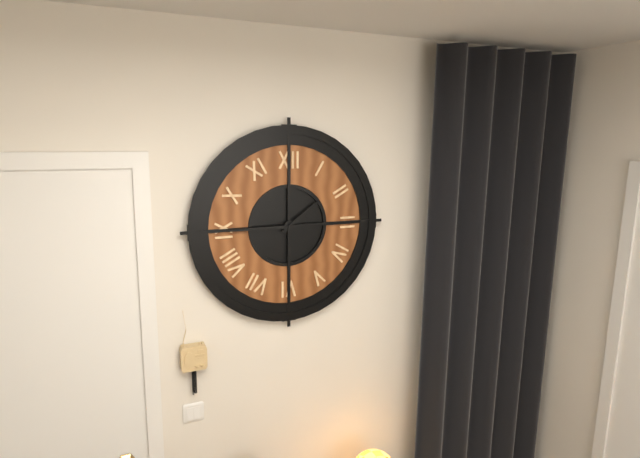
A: 1:45
